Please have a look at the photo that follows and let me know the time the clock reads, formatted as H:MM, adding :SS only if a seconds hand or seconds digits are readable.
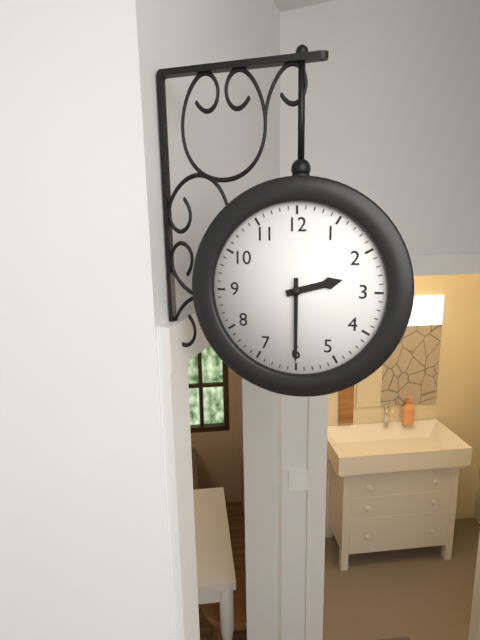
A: 2:30
